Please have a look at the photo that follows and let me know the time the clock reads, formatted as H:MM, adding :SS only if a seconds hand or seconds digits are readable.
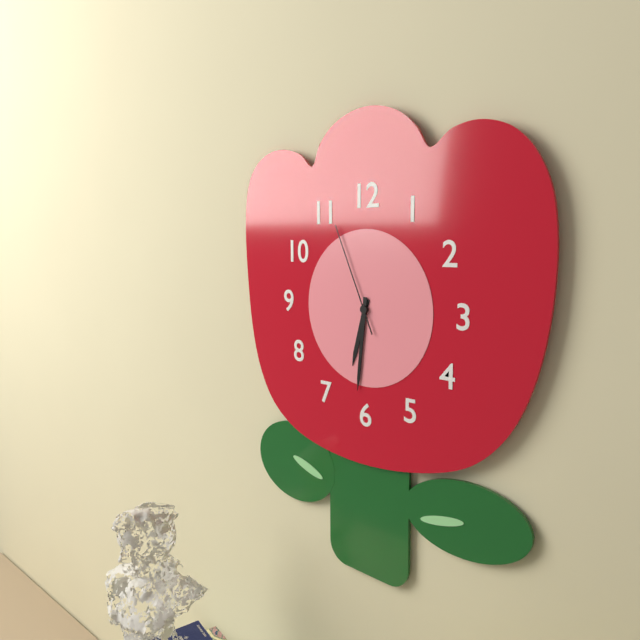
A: 6:31:56
